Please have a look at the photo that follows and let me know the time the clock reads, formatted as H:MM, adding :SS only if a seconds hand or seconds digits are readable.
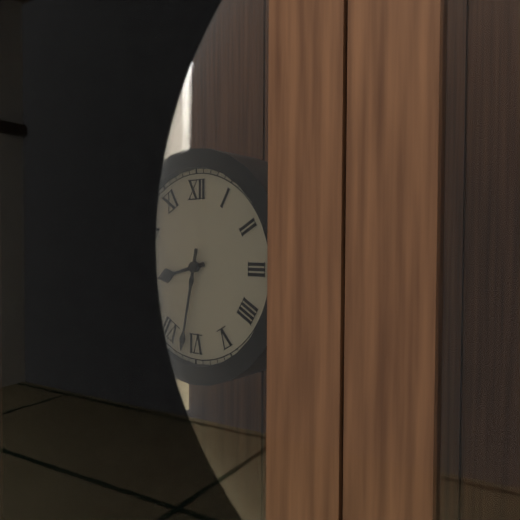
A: 8:32
